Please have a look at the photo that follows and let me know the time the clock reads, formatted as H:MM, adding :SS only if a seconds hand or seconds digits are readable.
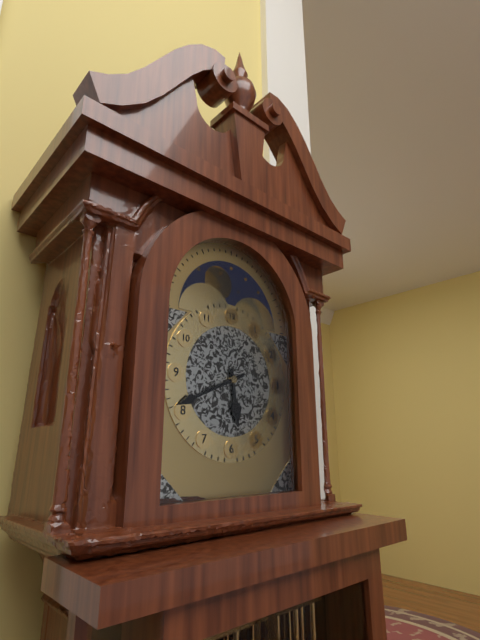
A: 5:41
